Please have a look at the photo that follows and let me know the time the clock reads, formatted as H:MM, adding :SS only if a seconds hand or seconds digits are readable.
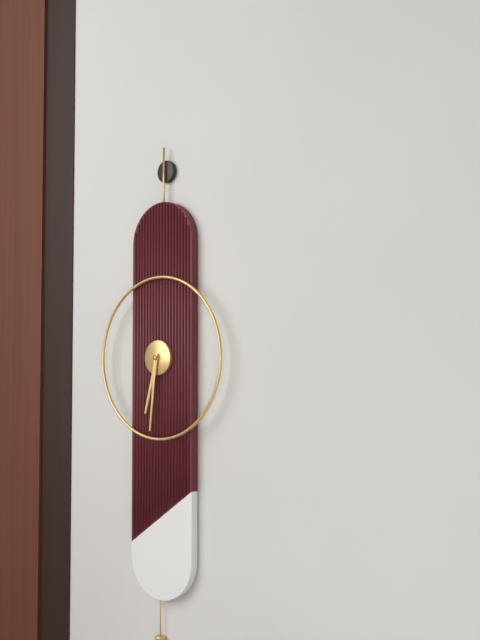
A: 6:31
